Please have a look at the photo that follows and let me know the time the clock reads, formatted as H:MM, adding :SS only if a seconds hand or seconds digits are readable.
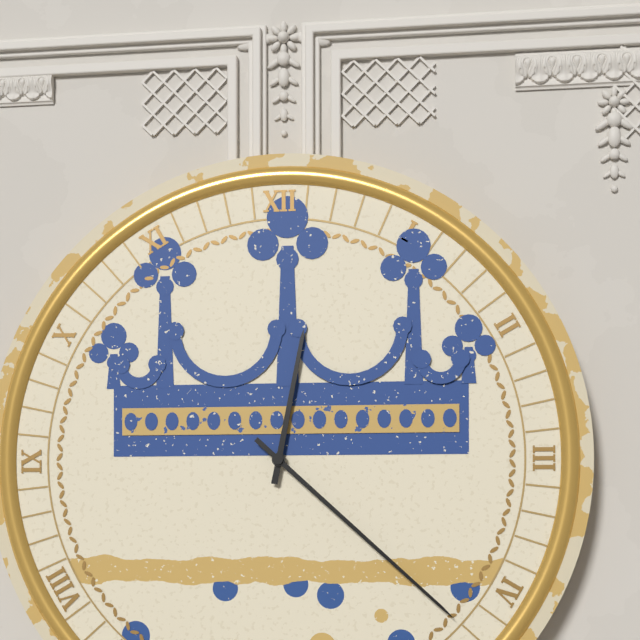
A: 12:22
